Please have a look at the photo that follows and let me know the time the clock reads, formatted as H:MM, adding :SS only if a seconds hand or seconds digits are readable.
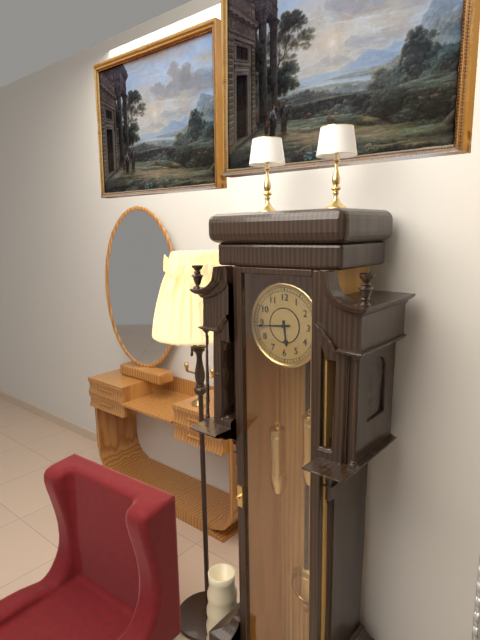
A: 5:44
